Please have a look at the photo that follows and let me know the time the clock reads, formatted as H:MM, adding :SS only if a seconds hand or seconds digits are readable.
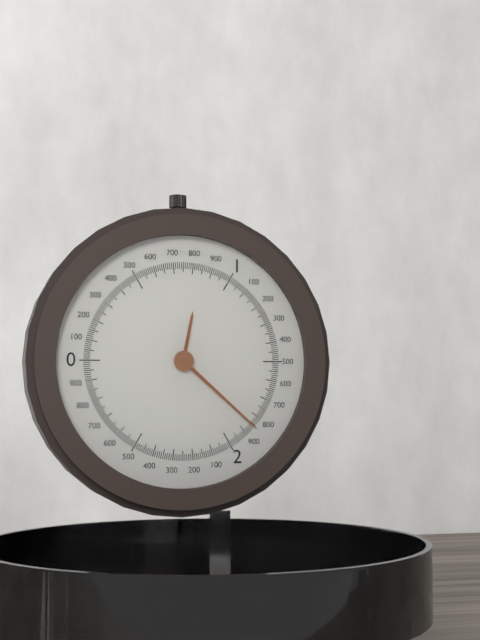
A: 12:22
